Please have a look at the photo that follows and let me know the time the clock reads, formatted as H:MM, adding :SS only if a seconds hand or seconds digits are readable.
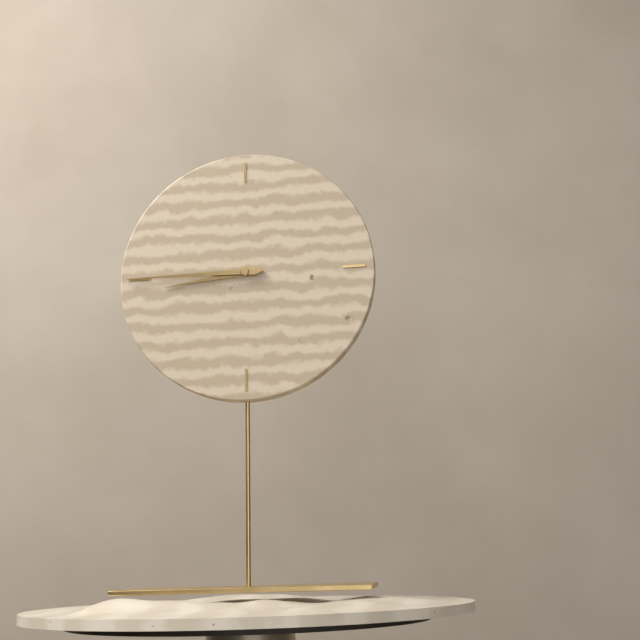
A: 8:45
